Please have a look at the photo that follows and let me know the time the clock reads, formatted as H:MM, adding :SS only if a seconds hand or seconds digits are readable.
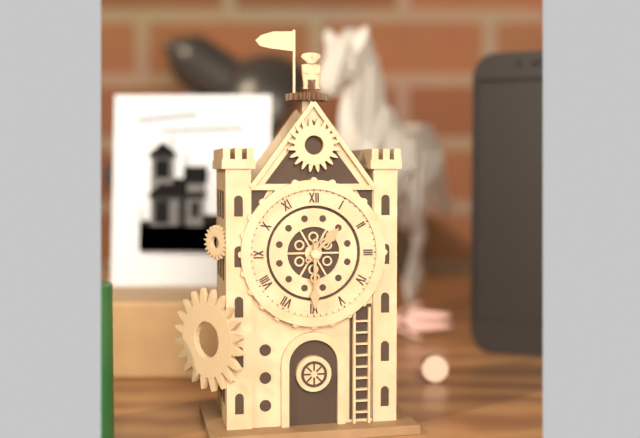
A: 1:30
